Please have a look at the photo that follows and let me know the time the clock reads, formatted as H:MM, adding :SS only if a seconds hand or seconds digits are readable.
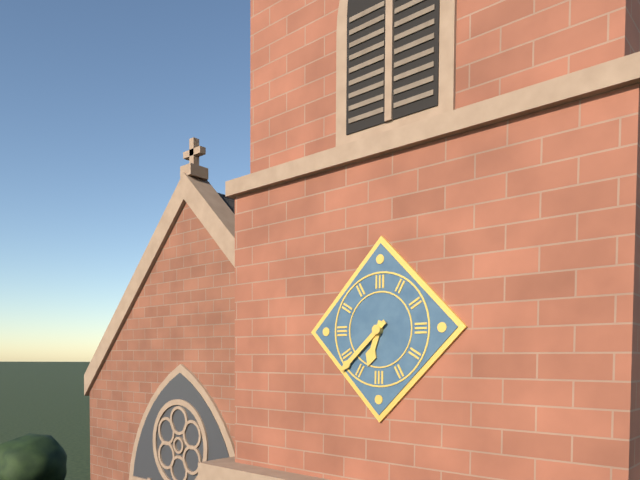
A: 6:38
